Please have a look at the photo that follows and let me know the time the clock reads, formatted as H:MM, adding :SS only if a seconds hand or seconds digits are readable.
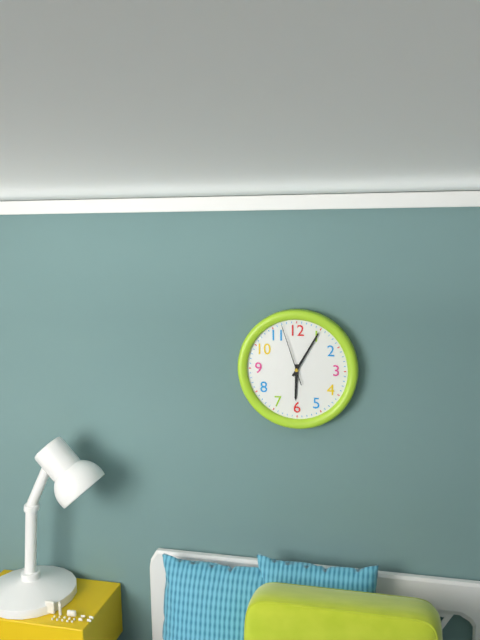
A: 6:05:57
